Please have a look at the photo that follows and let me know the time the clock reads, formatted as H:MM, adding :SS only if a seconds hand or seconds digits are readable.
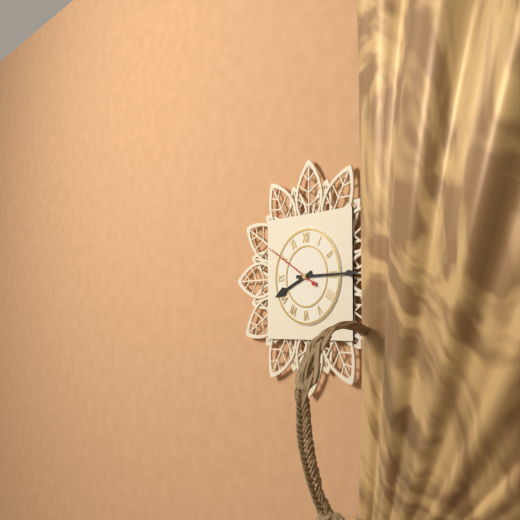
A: 8:15:50
